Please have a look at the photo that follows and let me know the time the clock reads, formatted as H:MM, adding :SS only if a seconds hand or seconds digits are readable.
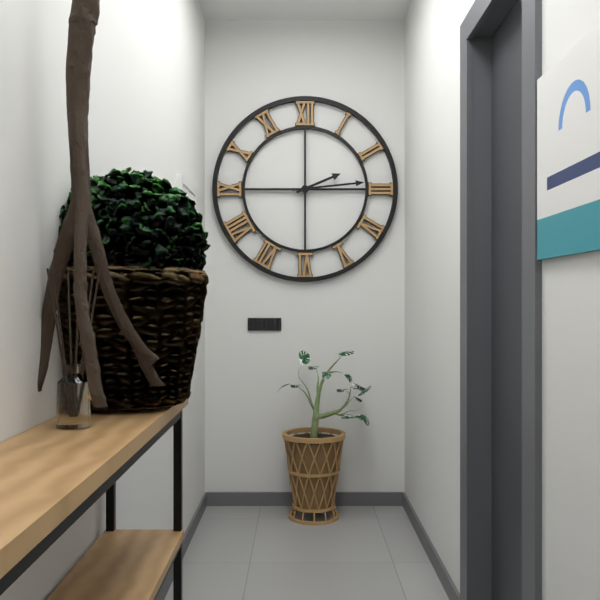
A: 2:14
